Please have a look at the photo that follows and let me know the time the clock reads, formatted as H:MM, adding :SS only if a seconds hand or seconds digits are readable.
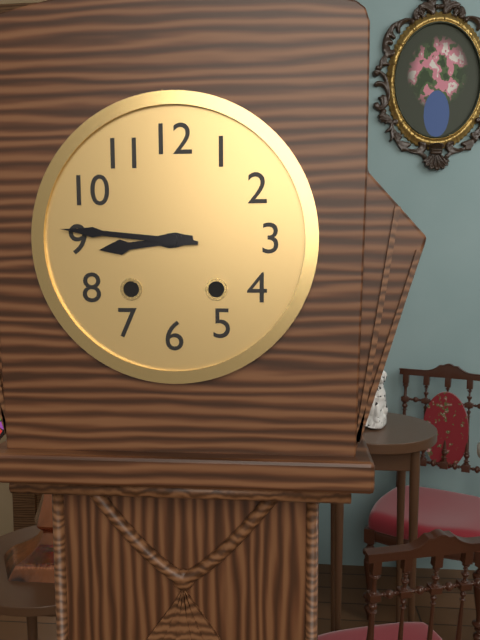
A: 8:46
